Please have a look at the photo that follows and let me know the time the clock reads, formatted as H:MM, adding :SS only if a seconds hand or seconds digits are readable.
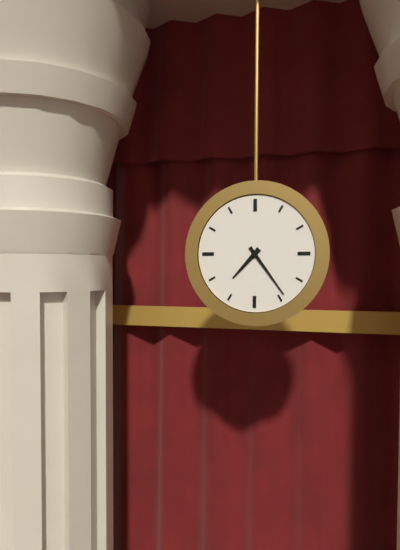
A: 7:24
